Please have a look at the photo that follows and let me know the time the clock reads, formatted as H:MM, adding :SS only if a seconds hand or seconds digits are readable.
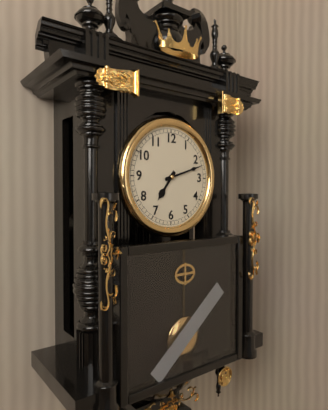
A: 7:12
